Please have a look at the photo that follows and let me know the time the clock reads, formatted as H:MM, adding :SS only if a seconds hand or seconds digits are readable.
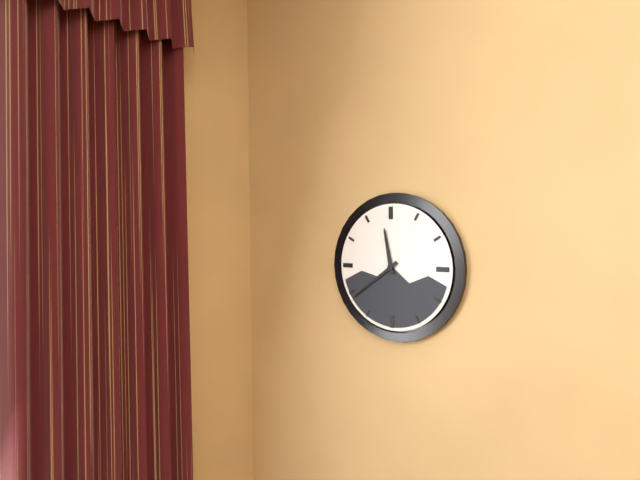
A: 11:39
